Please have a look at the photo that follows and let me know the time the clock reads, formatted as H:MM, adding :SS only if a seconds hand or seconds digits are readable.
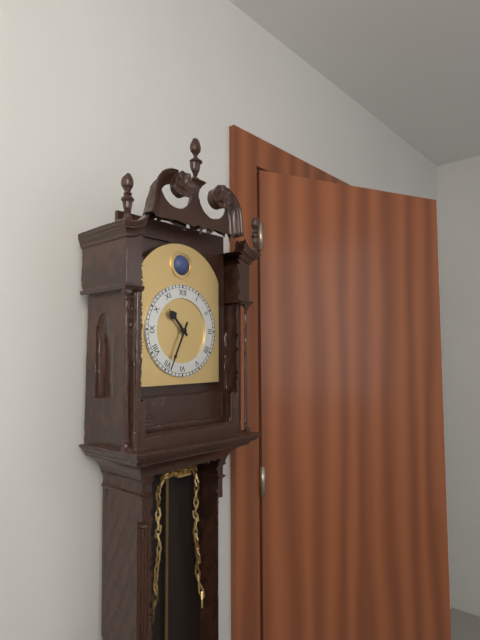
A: 10:34
